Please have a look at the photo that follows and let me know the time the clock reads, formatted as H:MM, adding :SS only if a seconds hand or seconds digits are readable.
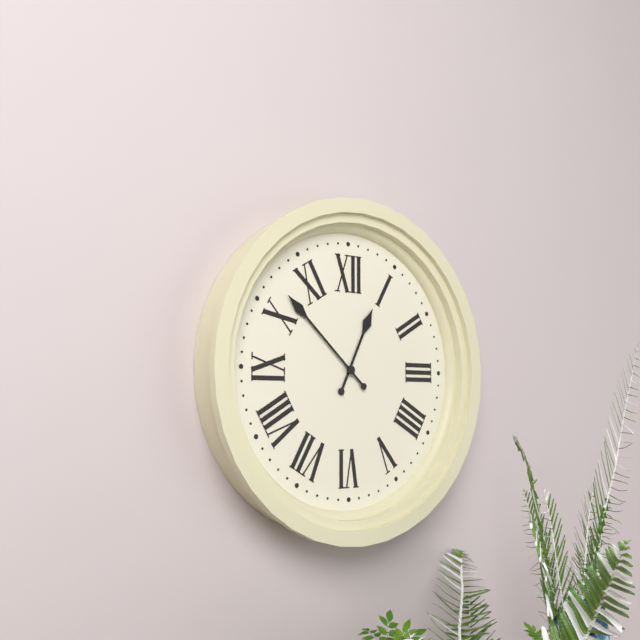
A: 12:52
